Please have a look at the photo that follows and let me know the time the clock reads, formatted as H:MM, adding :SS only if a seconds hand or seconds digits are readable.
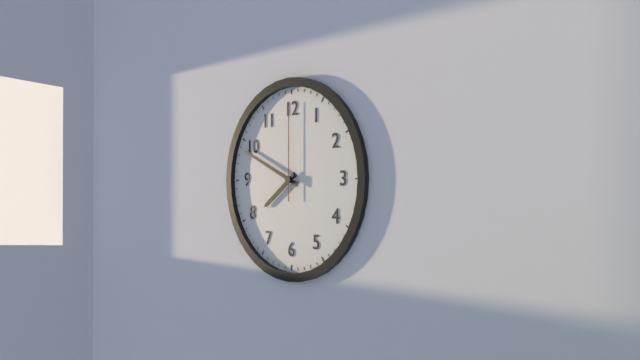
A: 7:49:00
